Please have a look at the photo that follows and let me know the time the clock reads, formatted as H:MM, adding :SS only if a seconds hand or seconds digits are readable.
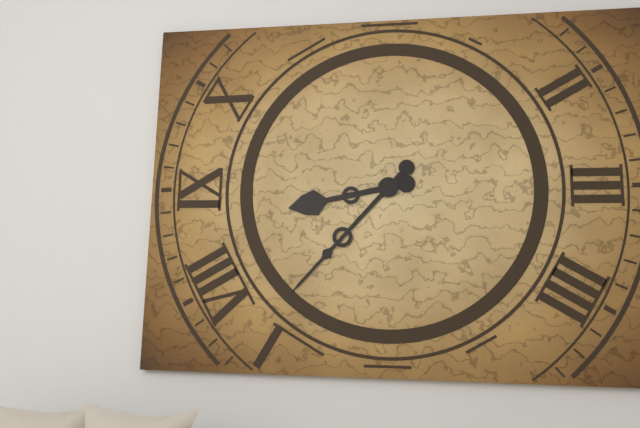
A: 8:37
